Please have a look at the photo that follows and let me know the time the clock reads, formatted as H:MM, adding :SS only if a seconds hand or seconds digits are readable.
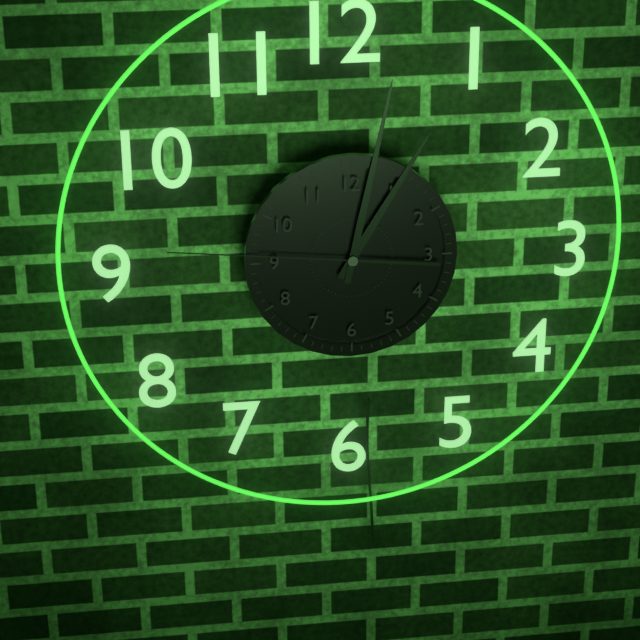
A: 1:02:46
